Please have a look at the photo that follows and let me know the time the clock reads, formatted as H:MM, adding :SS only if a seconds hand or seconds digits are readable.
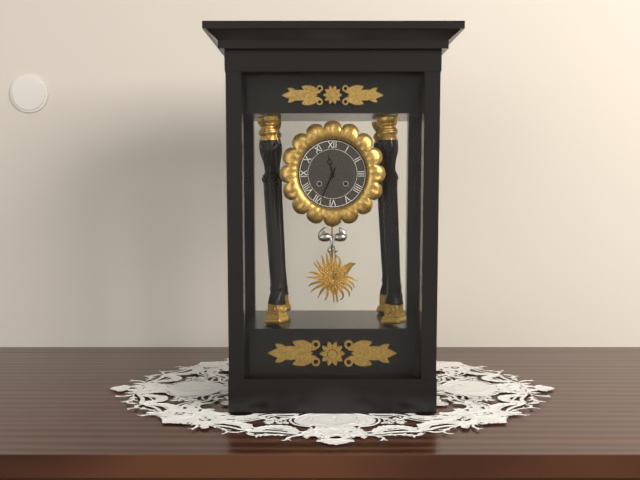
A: 11:34
